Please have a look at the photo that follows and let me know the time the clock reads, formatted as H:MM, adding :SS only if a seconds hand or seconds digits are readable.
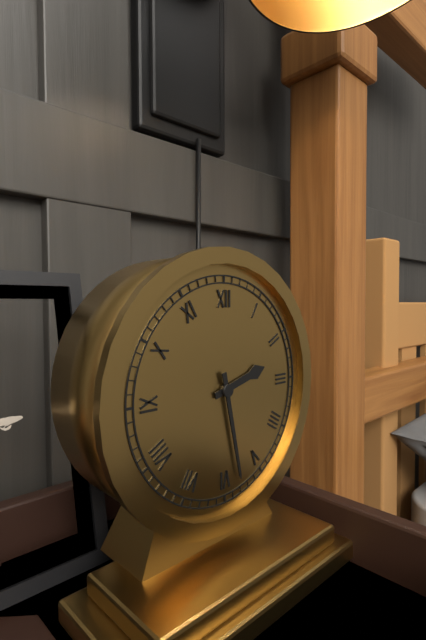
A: 2:28
